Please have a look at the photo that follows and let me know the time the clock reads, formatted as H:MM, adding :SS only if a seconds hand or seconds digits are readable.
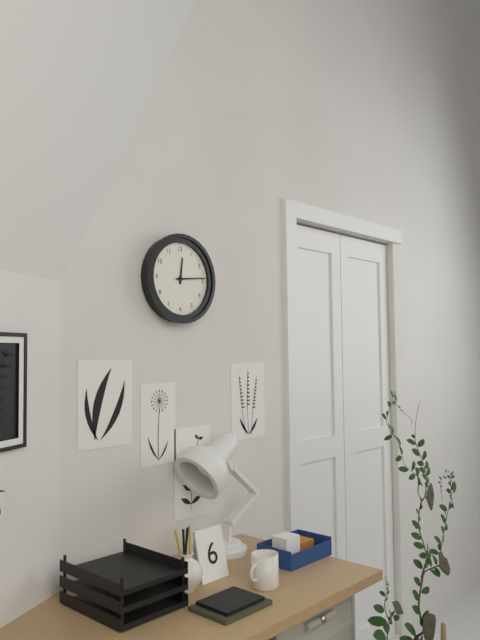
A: 12:14
